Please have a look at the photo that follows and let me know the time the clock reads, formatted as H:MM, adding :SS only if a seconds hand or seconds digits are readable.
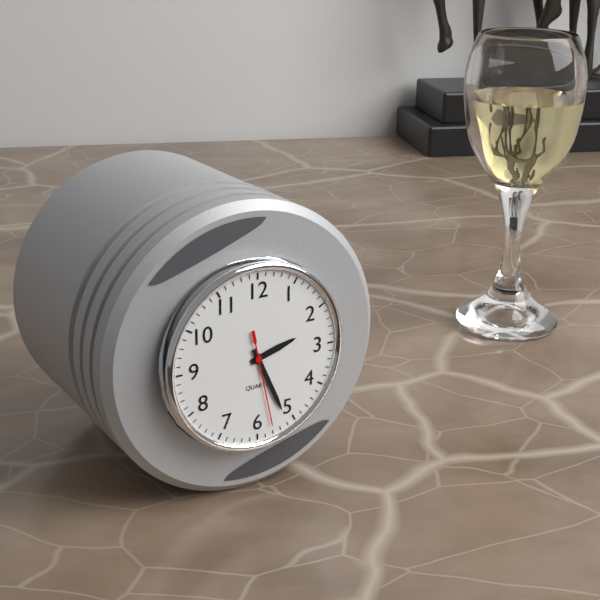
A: 2:26:28
